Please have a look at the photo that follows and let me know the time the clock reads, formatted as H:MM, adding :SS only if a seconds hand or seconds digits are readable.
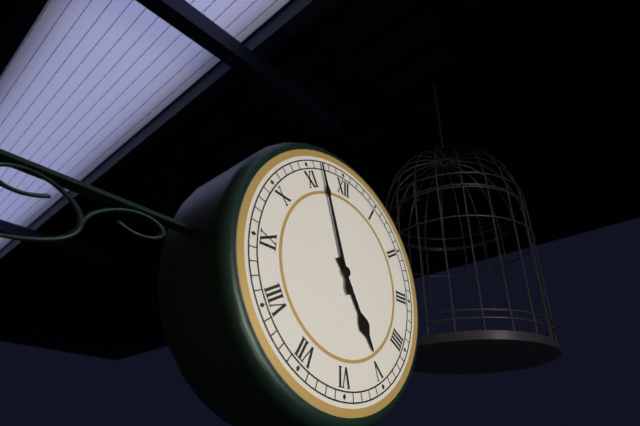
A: 4:57
